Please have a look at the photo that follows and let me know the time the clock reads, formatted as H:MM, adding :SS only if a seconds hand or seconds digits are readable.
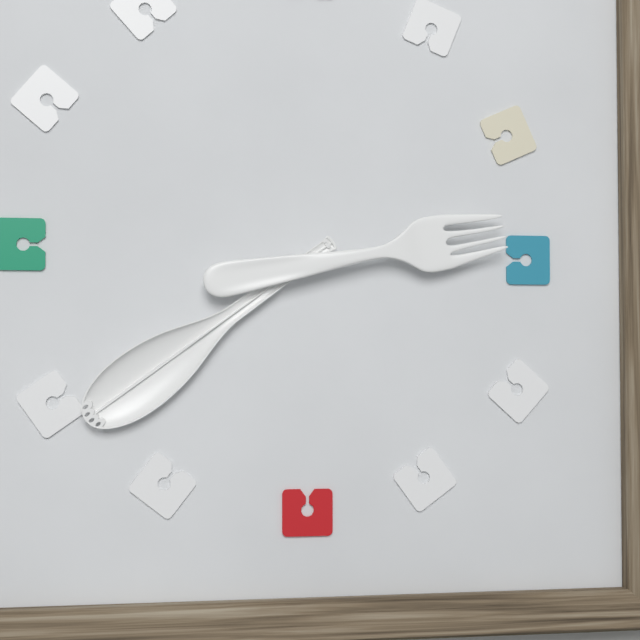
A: 2:39
